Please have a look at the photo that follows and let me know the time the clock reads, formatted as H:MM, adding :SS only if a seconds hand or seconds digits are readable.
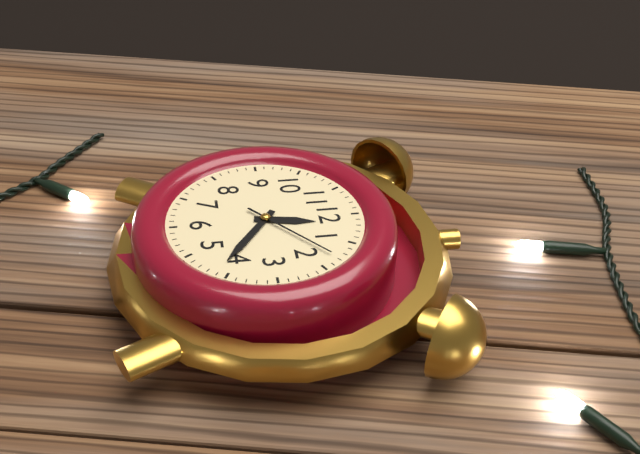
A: 12:21:08
